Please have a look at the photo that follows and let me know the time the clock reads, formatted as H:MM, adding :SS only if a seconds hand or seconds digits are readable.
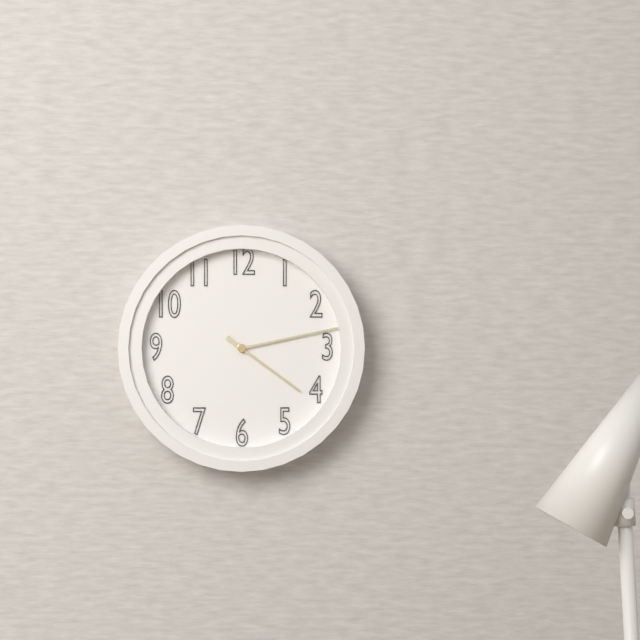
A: 4:13
